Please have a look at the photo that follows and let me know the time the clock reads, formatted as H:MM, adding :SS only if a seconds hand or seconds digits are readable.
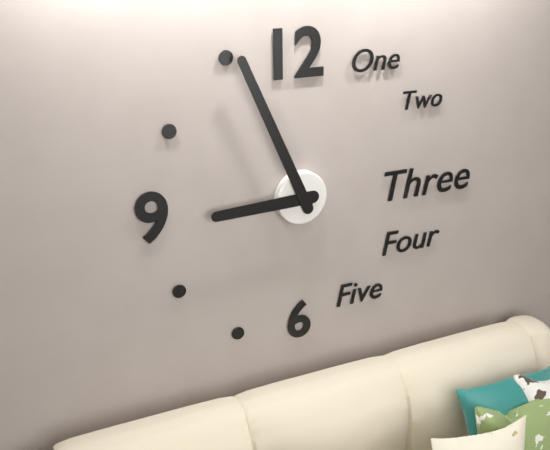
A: 8:56
